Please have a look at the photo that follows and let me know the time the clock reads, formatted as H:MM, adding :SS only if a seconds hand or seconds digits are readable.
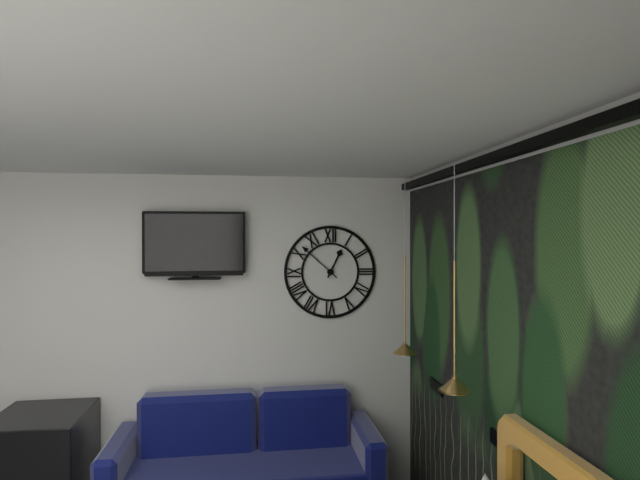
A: 12:52
